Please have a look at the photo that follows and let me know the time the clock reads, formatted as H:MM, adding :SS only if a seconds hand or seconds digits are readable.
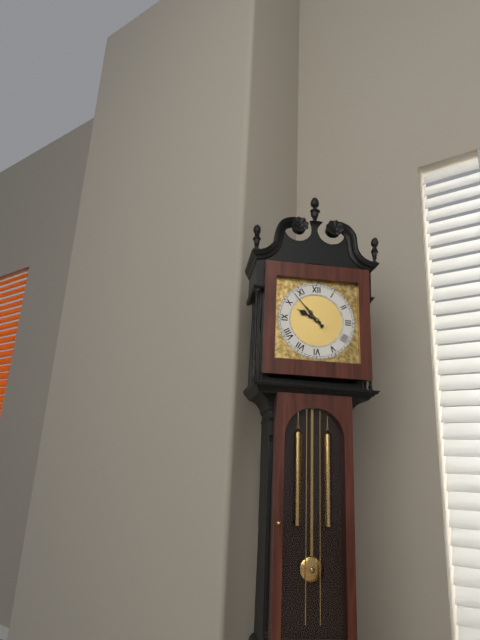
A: 9:53
